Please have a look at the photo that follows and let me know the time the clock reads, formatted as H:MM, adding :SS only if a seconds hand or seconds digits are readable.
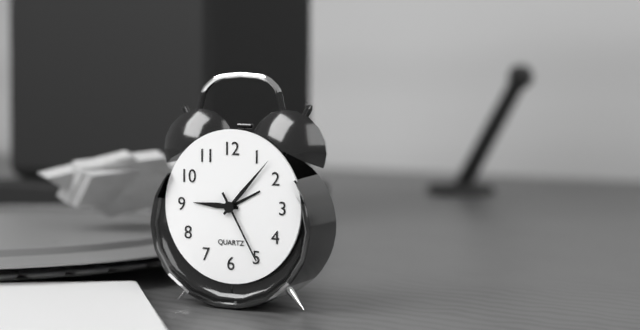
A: 9:07:25
